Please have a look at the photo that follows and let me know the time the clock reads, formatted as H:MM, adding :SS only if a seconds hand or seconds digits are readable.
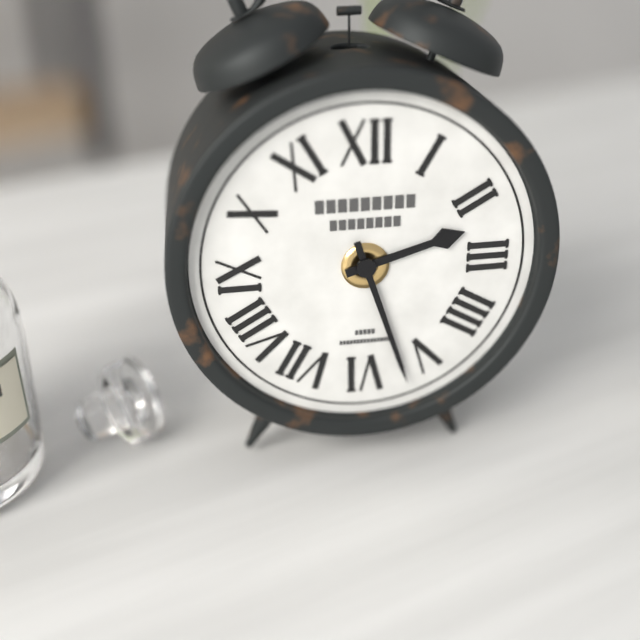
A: 2:27
